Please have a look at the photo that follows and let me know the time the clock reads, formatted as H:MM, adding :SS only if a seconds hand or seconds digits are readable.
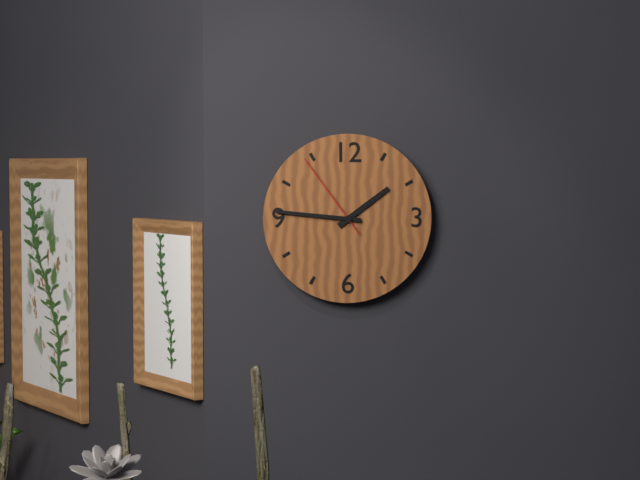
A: 1:46:54
